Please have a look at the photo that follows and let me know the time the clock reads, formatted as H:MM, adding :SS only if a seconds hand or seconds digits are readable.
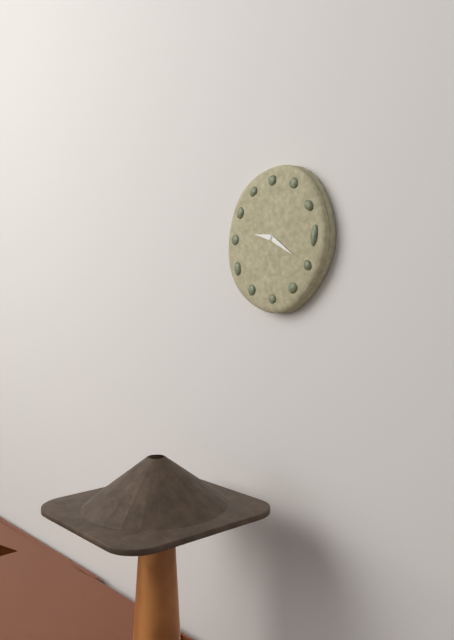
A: 9:20
